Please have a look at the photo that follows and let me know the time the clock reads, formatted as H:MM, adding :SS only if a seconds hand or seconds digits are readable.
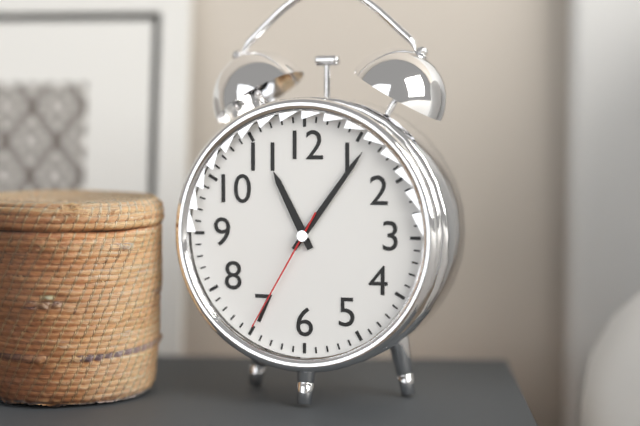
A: 11:06:35
